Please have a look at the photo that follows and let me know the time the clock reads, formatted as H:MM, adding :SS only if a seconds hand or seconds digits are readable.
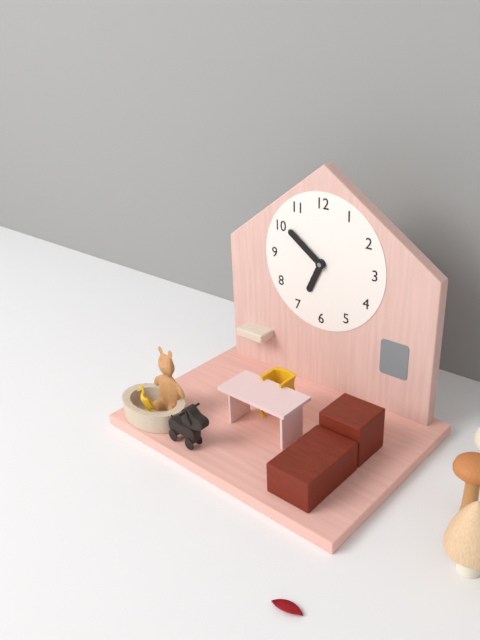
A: 6:51
